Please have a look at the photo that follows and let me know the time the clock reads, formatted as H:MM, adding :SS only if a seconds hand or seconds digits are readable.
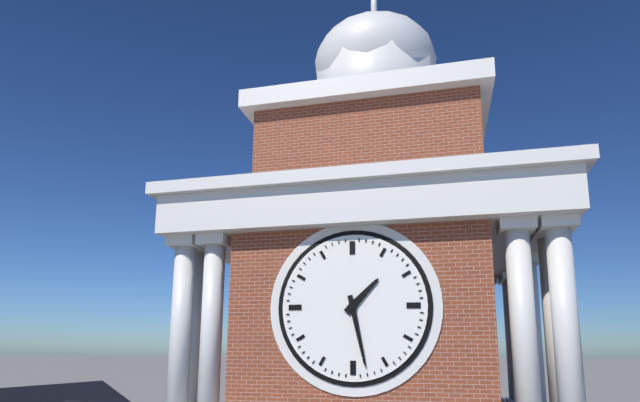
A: 1:28
